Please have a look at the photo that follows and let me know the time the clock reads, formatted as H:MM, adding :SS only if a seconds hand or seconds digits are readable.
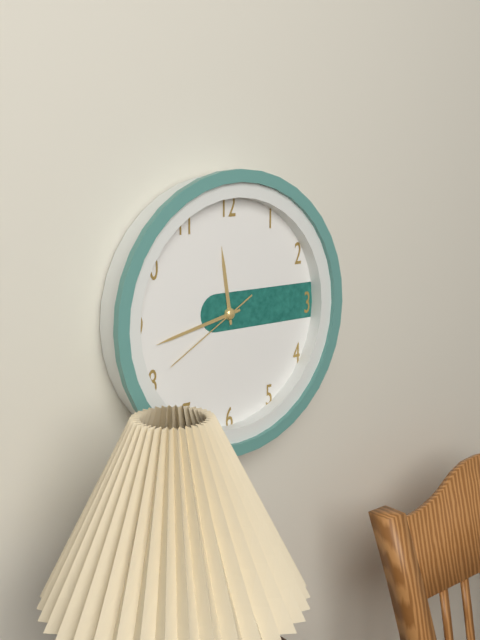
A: 11:43:40
